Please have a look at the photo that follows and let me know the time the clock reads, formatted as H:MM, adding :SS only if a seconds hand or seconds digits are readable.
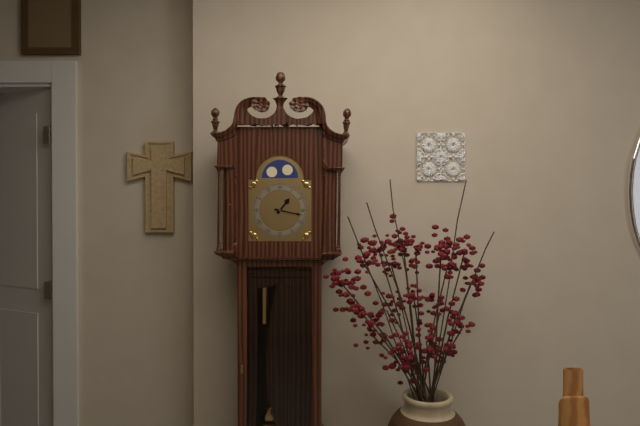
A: 1:17
